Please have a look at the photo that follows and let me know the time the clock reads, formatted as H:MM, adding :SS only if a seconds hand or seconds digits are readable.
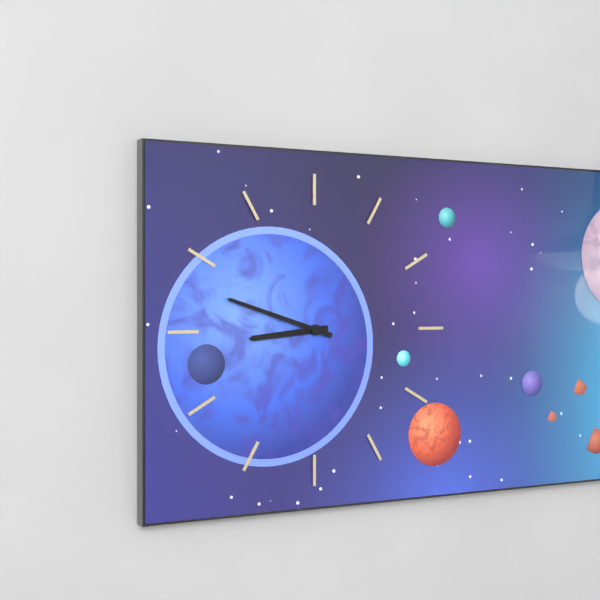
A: 8:48
